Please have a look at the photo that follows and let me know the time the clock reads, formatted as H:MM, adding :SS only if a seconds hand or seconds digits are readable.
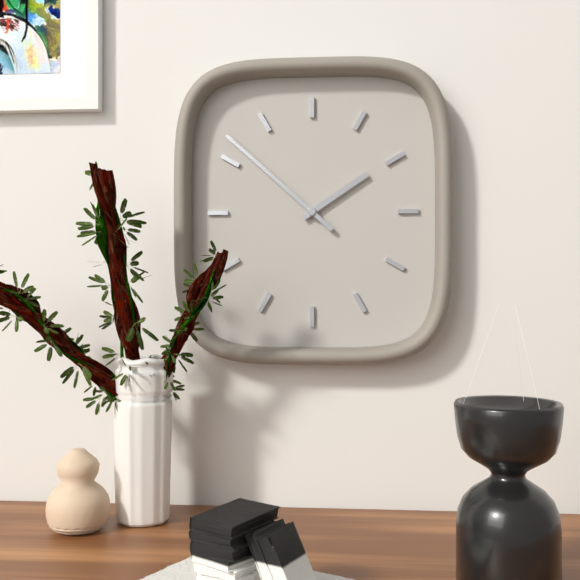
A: 1:52
